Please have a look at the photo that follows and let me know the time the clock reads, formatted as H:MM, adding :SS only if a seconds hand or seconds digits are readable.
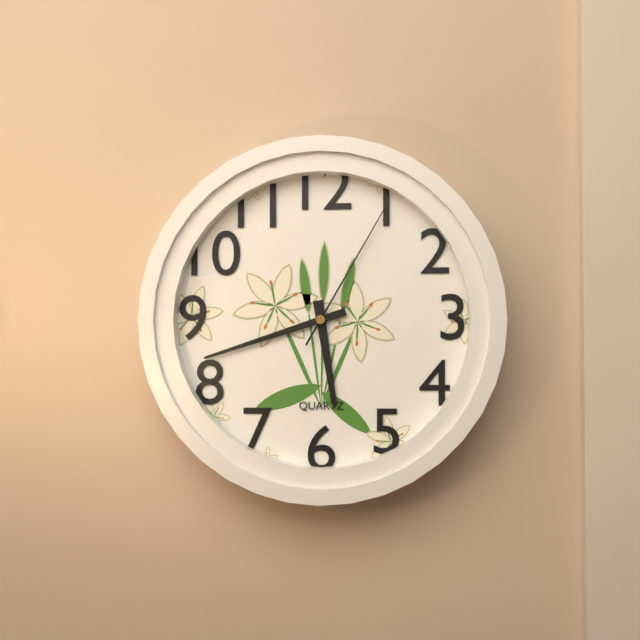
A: 5:42:05
